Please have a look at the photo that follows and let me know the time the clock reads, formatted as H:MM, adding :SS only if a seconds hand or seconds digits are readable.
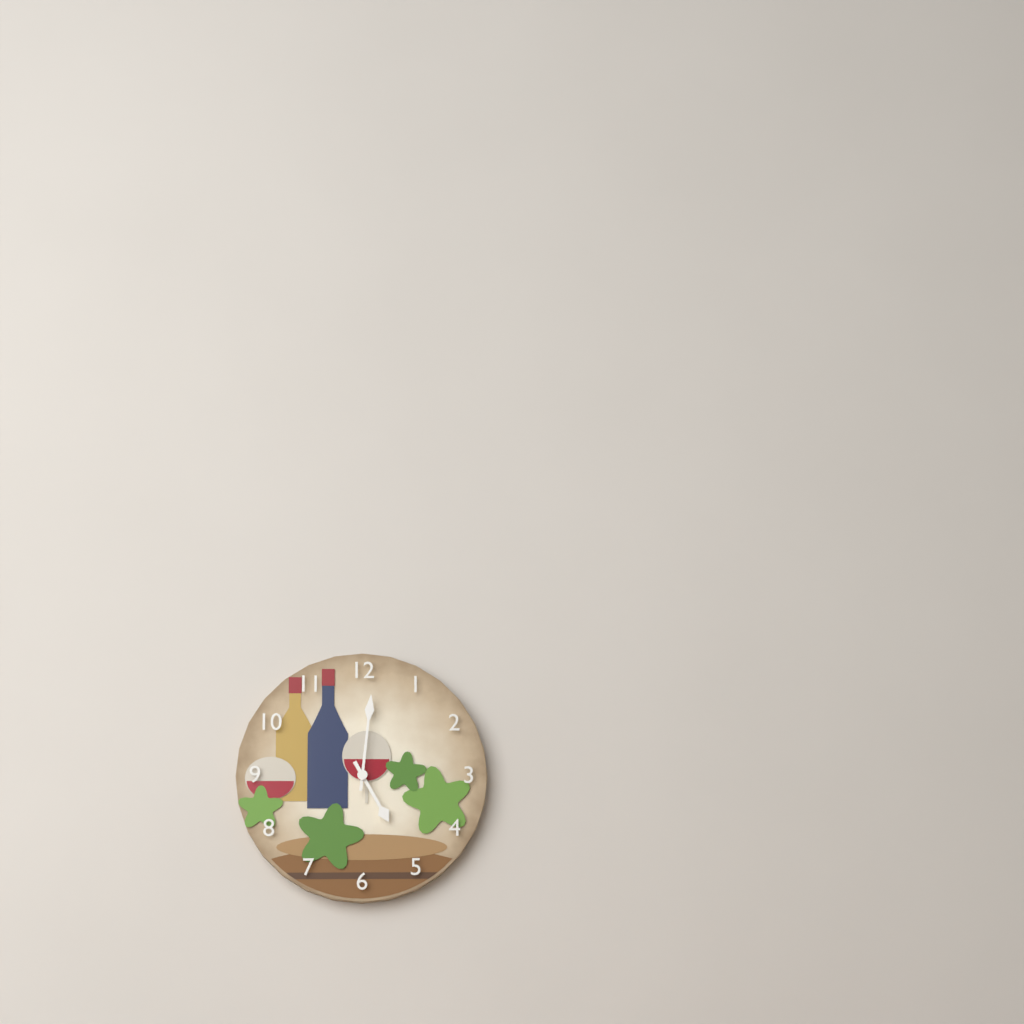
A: 5:01
